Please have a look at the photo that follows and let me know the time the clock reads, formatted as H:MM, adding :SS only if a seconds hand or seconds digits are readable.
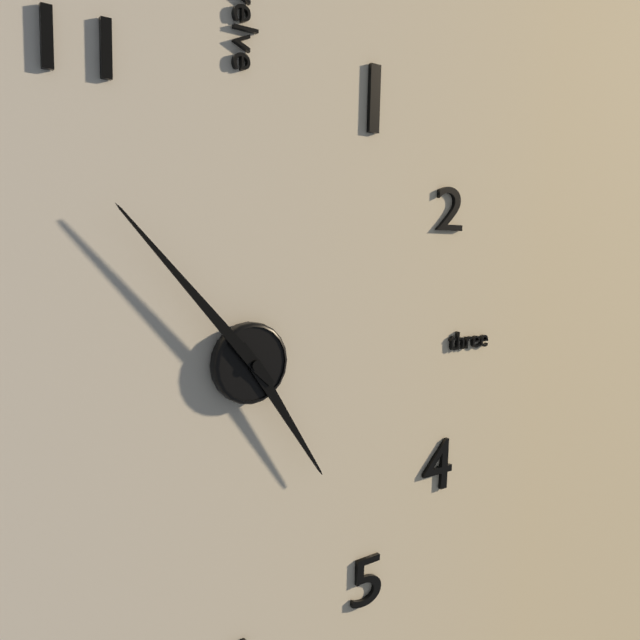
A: 4:53
